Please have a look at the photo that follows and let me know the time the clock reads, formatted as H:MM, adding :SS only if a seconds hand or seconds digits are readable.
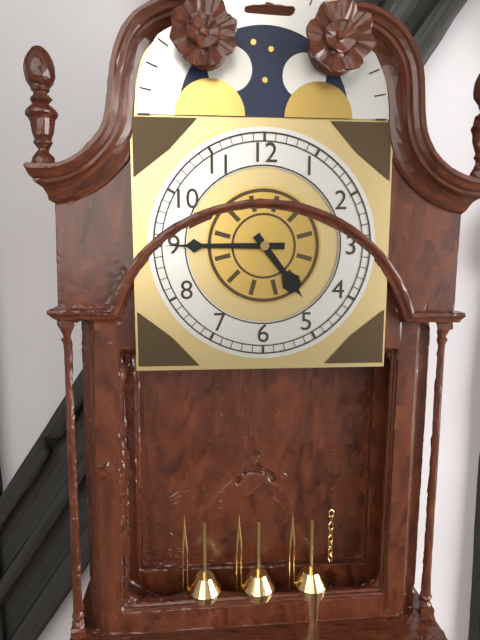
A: 4:45
